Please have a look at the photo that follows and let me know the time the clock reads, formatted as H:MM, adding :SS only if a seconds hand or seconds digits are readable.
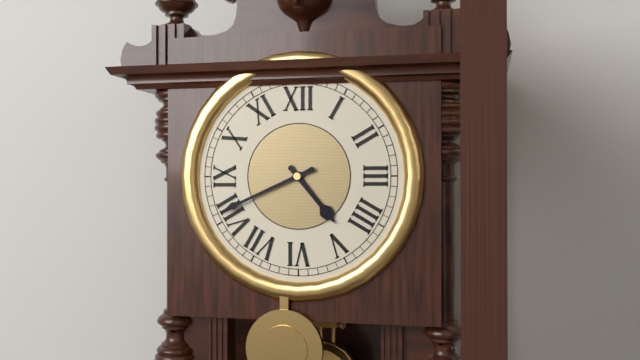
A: 4:41
